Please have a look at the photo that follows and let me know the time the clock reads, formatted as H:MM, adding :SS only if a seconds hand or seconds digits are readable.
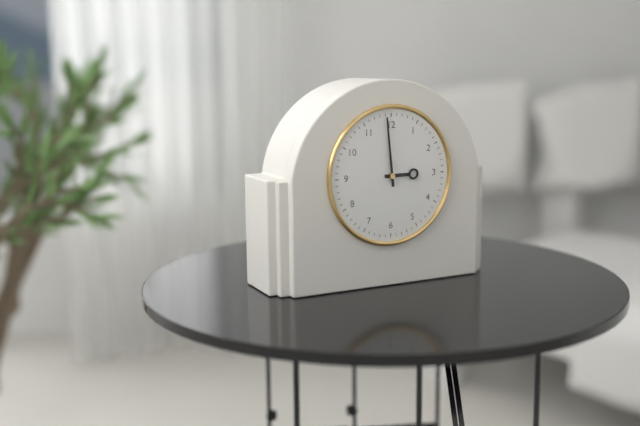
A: 2:59
